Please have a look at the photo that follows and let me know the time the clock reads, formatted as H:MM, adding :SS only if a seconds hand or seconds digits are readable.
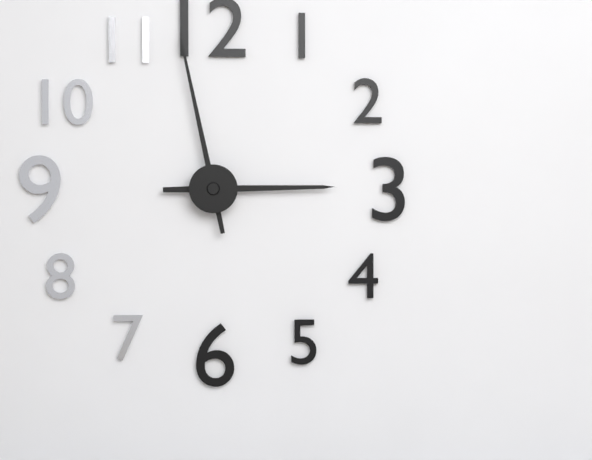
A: 2:58
